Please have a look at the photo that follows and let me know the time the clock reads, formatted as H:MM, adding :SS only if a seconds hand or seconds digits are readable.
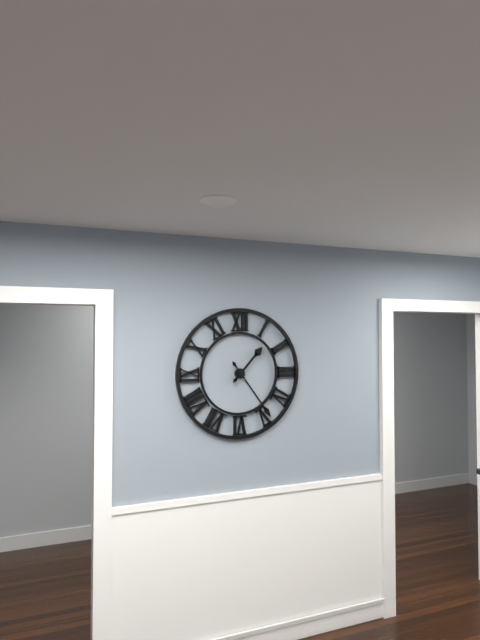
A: 1:24
